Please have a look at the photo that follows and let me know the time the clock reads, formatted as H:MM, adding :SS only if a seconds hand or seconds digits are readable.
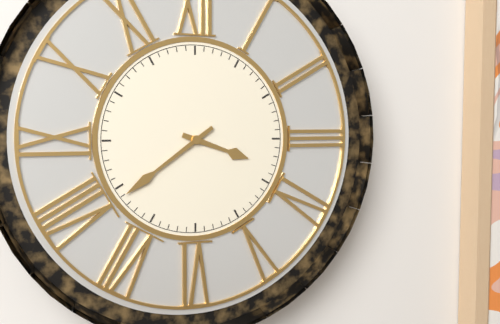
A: 3:39
